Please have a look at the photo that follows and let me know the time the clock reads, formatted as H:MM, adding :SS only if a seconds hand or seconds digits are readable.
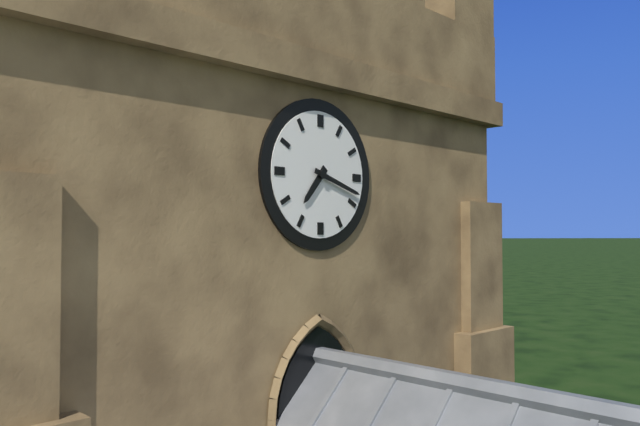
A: 7:18
